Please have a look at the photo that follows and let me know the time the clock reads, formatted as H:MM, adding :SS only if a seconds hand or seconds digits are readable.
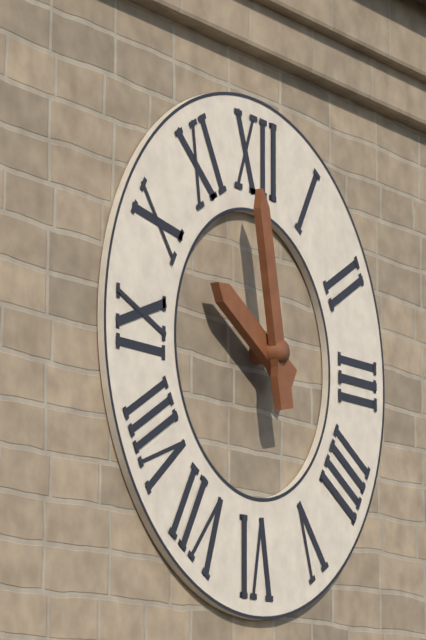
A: 9:58
